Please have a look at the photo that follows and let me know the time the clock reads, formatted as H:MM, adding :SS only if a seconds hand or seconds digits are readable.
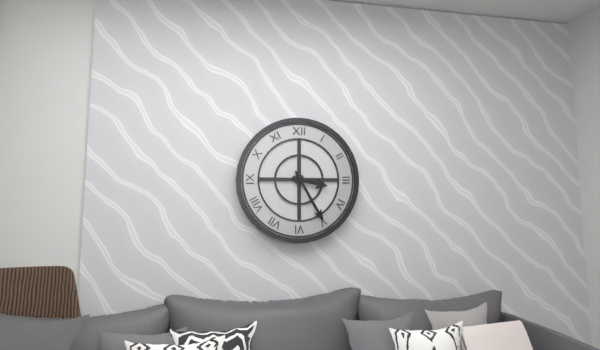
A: 3:25
